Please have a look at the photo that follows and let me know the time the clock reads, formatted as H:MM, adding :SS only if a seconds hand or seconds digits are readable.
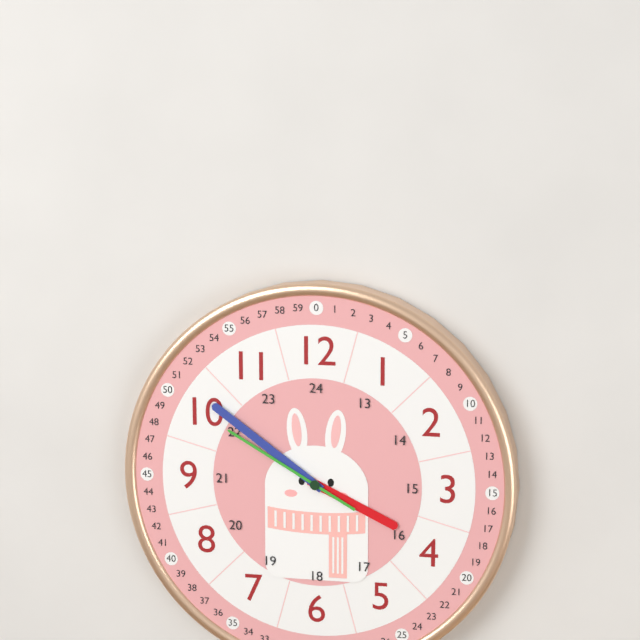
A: 3:51:50
